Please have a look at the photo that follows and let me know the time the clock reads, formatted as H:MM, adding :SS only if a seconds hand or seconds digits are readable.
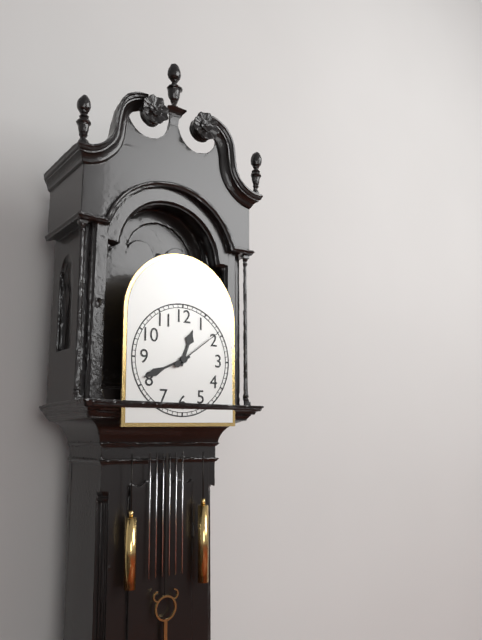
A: 12:41:09
